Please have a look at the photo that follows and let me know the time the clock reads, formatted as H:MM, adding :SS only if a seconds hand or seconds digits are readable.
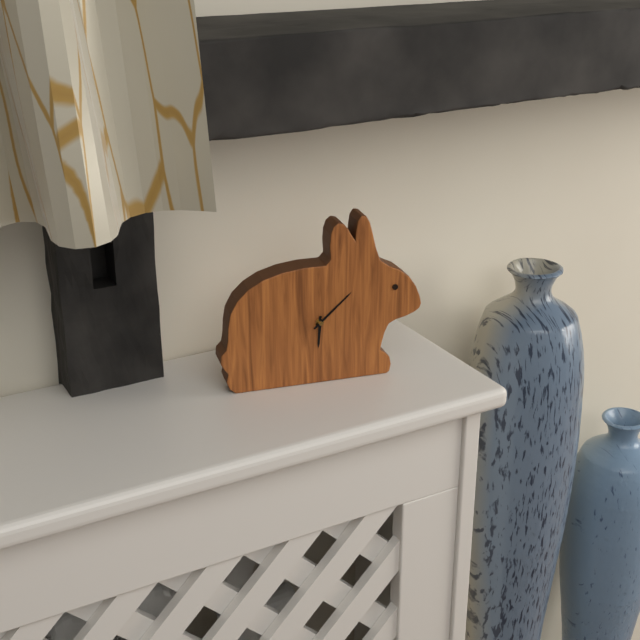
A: 6:08
